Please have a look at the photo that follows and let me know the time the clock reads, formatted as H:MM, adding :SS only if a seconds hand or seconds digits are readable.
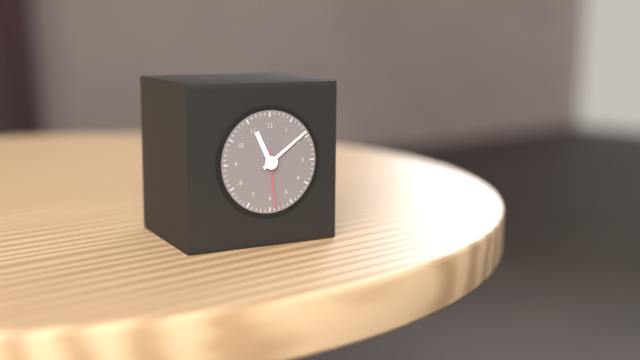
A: 11:09:29
